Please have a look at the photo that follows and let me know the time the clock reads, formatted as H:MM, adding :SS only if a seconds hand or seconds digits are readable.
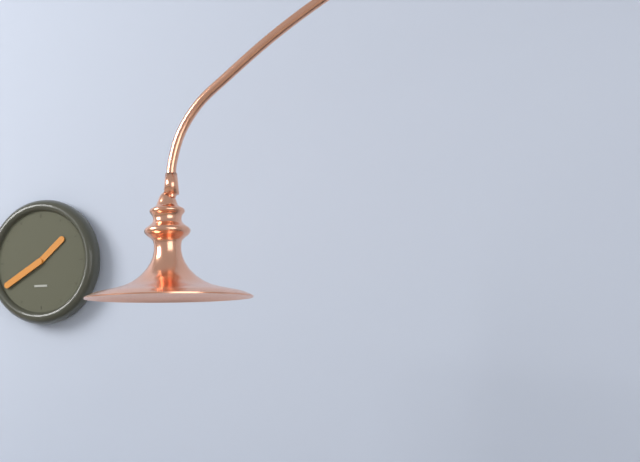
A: 1:40
